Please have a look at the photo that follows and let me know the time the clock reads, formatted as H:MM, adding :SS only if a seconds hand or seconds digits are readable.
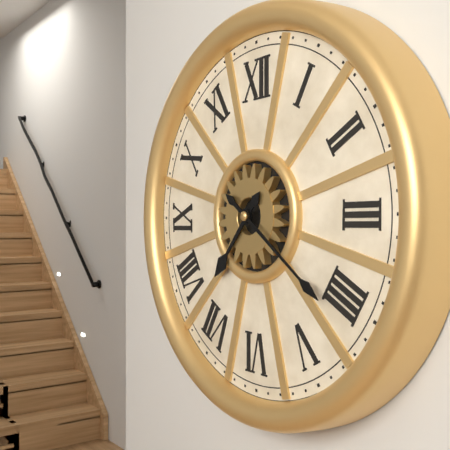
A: 7:21
